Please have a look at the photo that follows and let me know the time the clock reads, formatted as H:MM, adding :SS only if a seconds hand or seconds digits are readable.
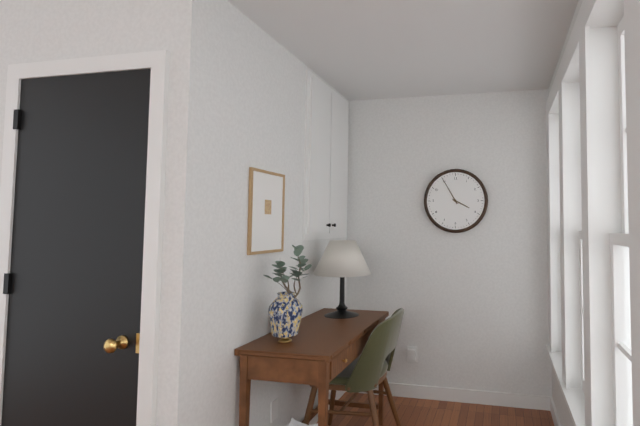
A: 3:55
